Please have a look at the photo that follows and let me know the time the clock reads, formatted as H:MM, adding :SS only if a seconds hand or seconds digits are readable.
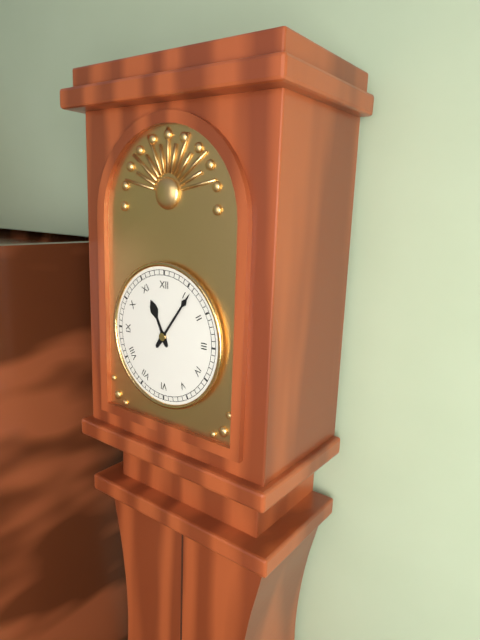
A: 11:06
